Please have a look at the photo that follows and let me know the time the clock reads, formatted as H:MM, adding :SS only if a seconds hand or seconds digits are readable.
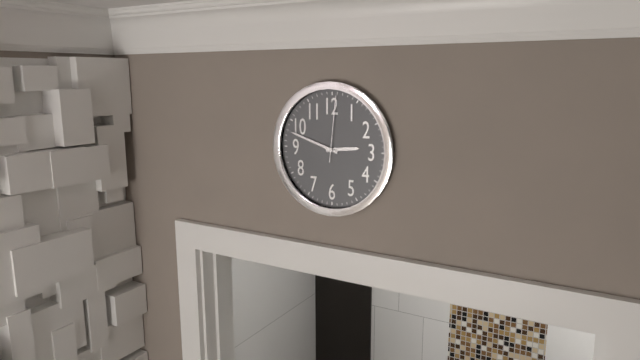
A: 2:48:01
